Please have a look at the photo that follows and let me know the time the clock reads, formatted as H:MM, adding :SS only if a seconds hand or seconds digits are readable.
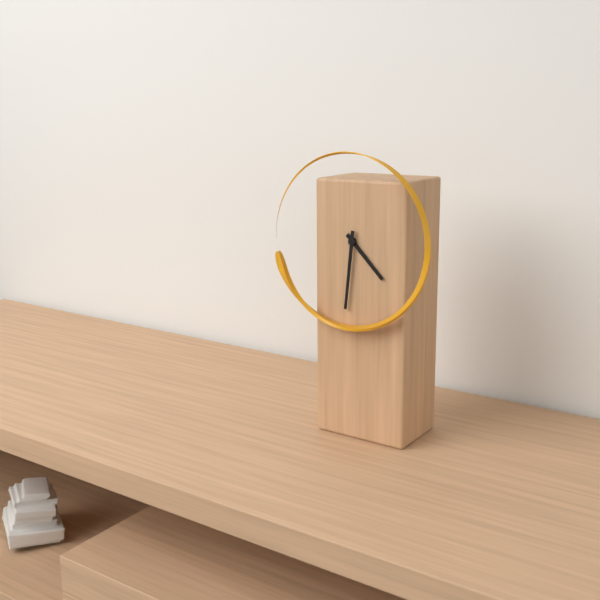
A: 4:31
